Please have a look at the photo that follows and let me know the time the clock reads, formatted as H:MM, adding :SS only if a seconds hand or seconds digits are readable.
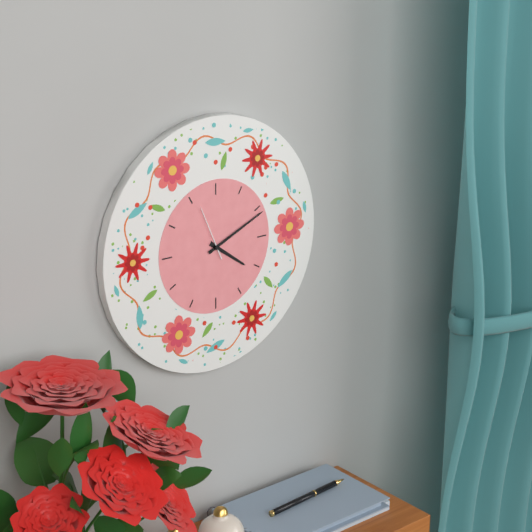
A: 4:11:56
